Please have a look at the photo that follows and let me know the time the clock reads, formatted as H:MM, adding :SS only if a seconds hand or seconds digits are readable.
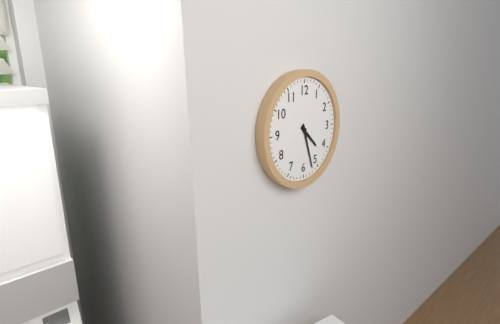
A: 4:27
